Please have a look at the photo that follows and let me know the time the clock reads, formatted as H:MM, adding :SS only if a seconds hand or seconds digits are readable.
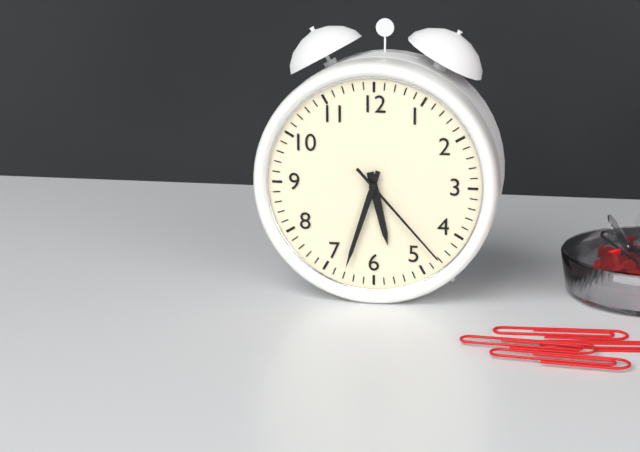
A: 5:33:23
